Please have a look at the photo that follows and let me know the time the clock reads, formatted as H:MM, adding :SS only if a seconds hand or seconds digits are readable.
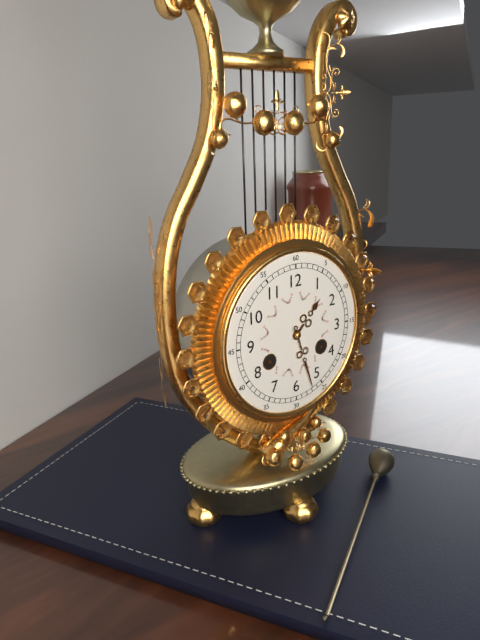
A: 1:27
